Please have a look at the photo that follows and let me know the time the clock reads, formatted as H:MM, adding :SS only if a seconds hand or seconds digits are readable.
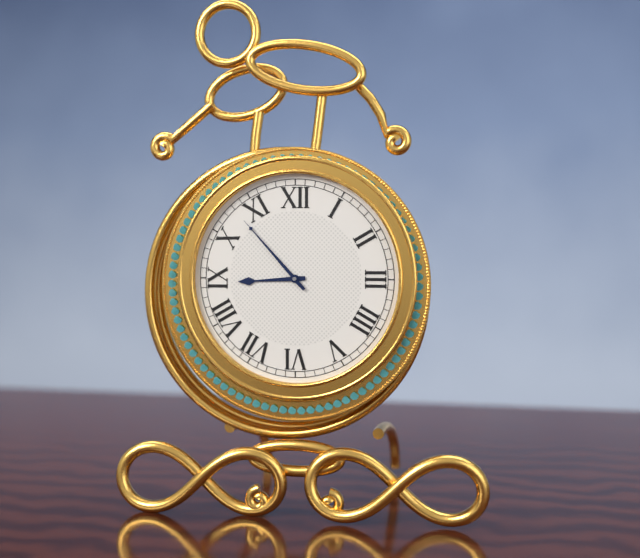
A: 8:53
